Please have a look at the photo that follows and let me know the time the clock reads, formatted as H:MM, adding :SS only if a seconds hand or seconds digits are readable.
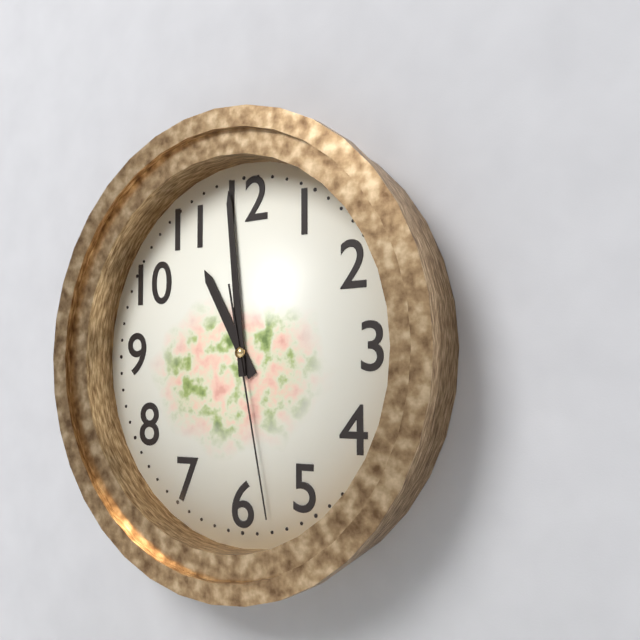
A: 10:59:28
